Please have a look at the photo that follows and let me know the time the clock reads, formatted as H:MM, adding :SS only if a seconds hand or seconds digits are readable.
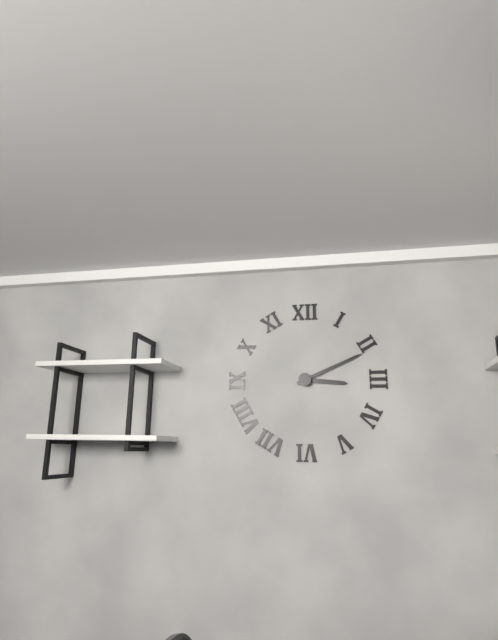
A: 3:11
